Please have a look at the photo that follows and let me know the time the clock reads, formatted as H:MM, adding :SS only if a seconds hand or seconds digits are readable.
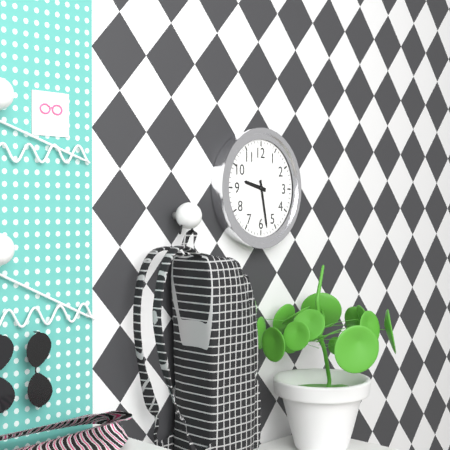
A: 9:28
